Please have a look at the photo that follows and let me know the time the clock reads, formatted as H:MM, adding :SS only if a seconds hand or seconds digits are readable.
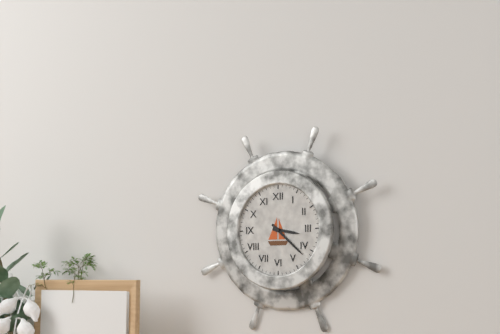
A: 3:22
